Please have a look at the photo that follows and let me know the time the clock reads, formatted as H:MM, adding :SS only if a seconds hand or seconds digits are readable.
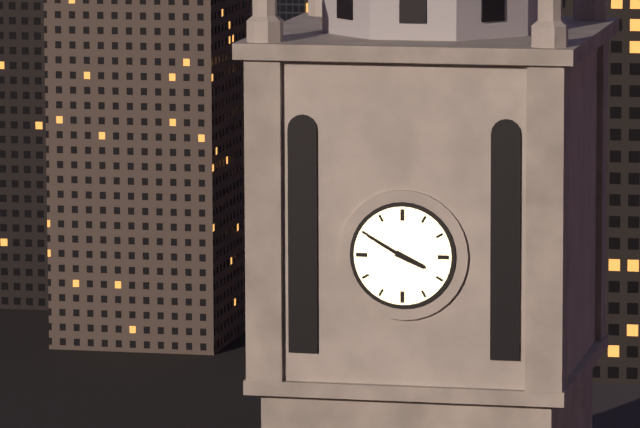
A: 3:50
